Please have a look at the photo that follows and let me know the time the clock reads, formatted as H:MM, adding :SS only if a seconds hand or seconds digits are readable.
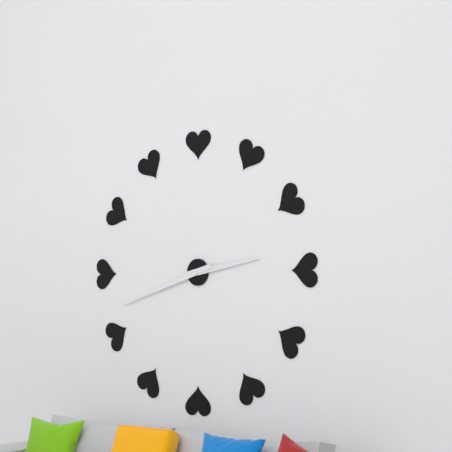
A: 2:42
